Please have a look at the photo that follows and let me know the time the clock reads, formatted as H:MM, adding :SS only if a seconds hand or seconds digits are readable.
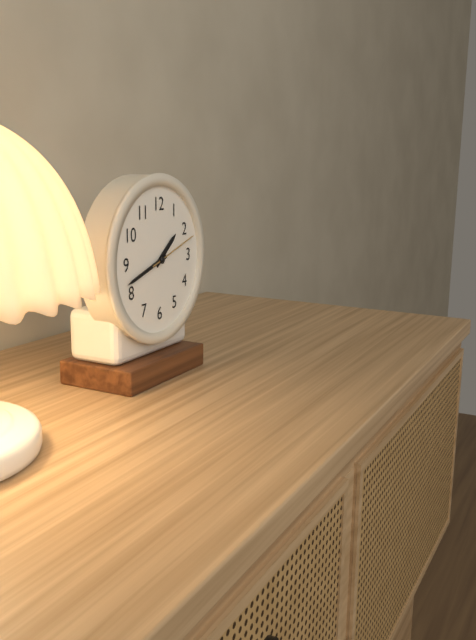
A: 1:42:12
